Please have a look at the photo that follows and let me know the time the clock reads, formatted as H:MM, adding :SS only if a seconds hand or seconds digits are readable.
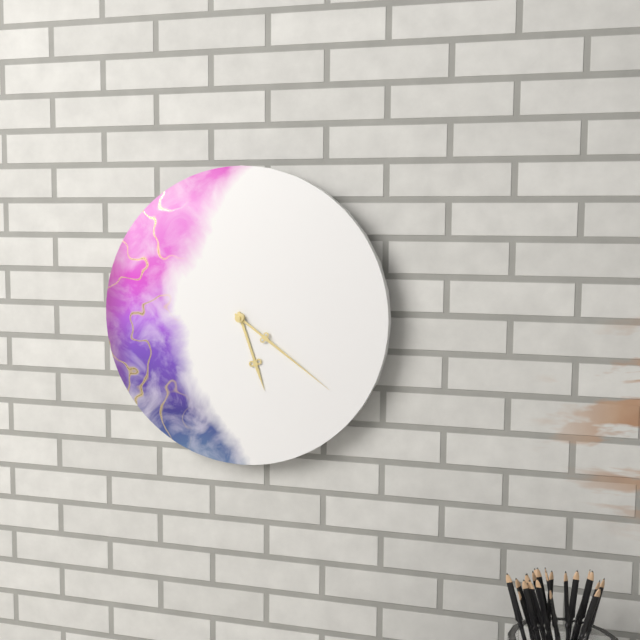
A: 5:21
